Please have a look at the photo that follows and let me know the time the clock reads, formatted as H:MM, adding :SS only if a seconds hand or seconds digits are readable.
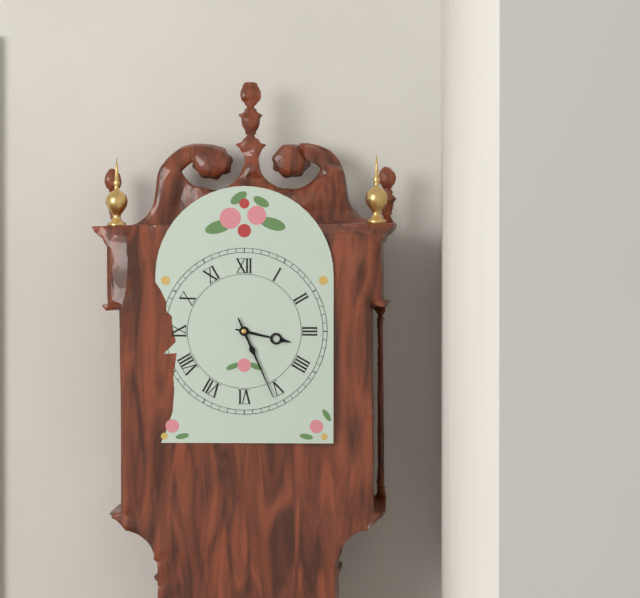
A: 3:26
